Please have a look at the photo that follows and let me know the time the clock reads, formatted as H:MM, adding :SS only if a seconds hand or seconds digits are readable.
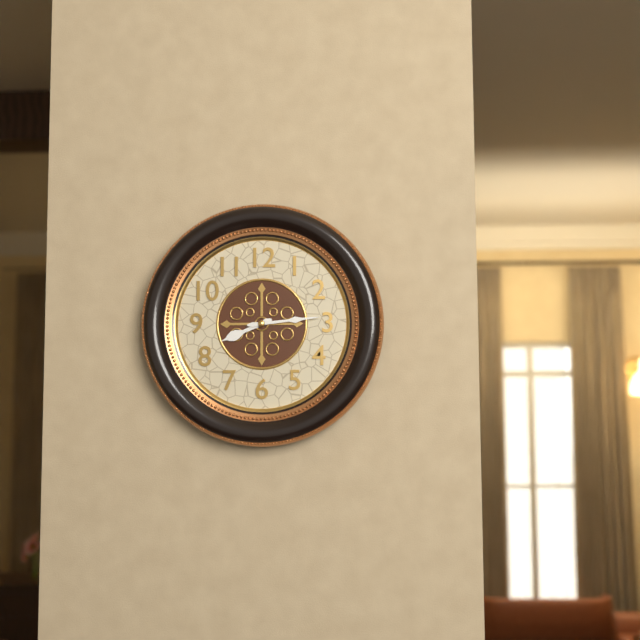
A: 8:14
